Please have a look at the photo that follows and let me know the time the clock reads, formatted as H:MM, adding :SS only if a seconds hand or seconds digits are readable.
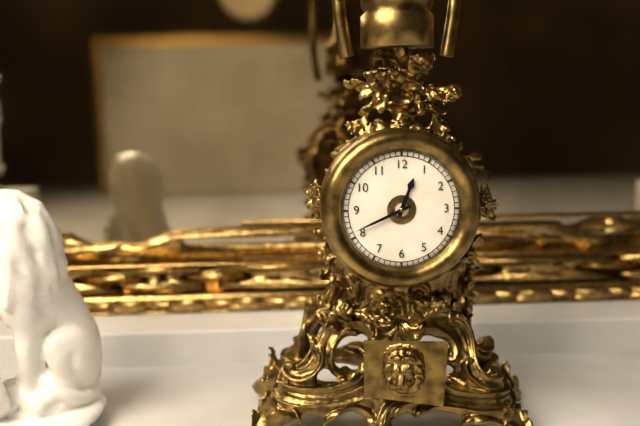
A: 12:41
